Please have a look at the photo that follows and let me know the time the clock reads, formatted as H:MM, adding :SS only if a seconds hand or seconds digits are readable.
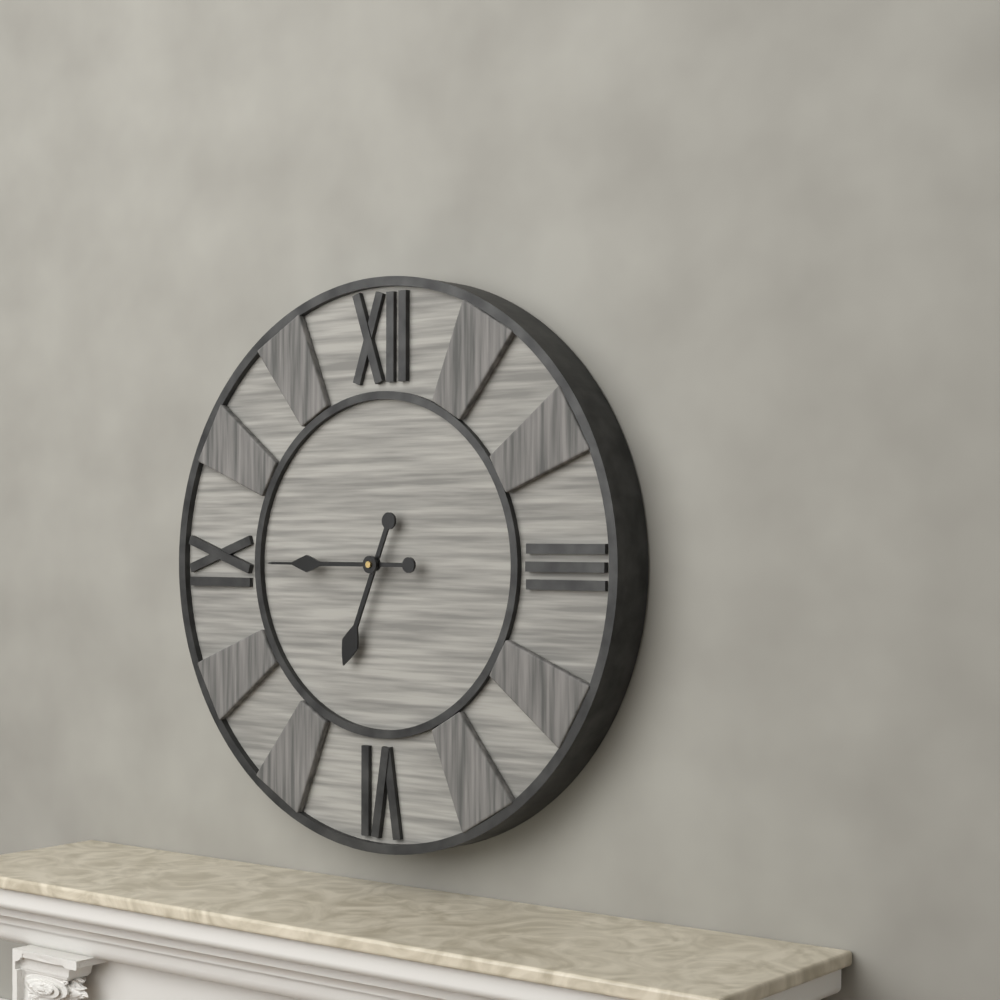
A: 6:45
